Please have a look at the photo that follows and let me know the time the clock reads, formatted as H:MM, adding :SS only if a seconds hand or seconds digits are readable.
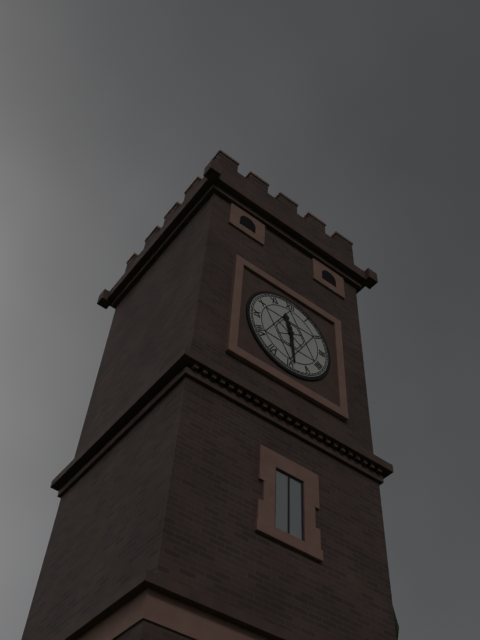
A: 11:29
